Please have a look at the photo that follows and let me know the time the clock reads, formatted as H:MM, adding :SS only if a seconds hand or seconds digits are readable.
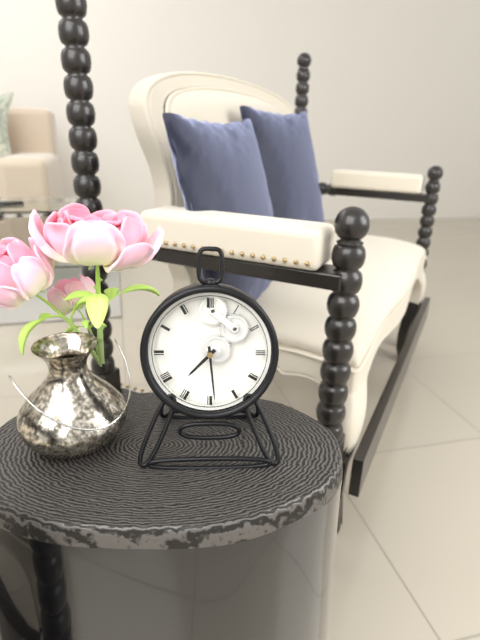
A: 7:29
